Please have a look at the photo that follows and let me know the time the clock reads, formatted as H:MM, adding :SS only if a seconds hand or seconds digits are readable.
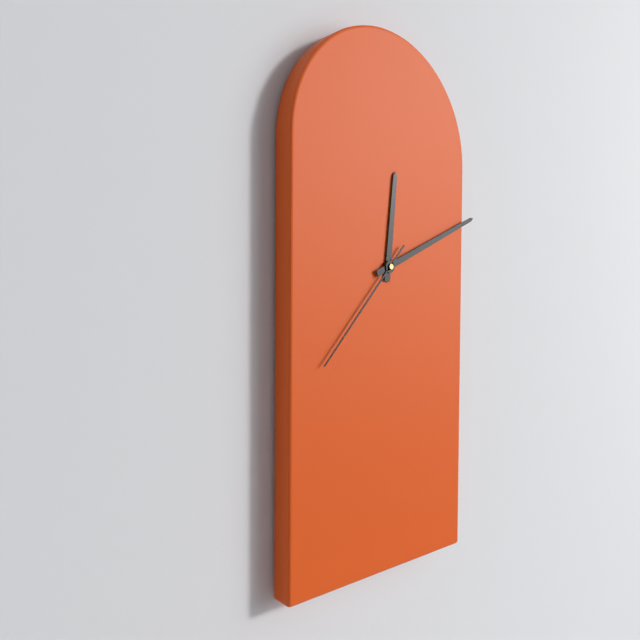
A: 12:11:37
